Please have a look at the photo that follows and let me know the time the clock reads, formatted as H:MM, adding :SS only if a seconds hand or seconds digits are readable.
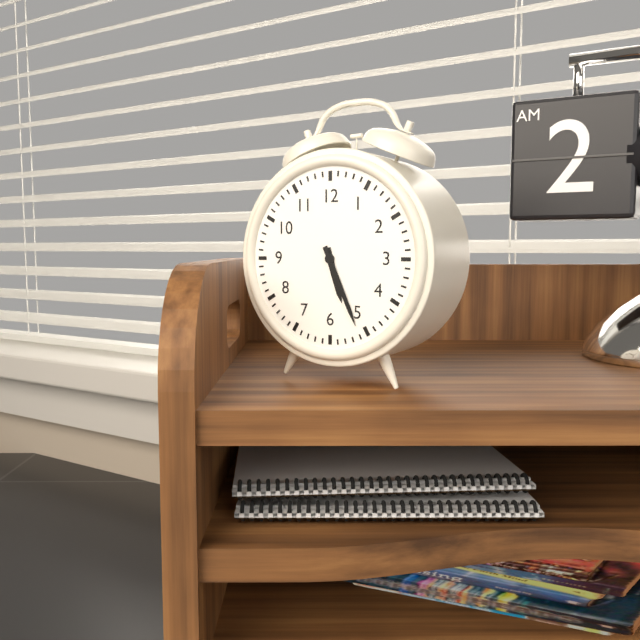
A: 5:26
